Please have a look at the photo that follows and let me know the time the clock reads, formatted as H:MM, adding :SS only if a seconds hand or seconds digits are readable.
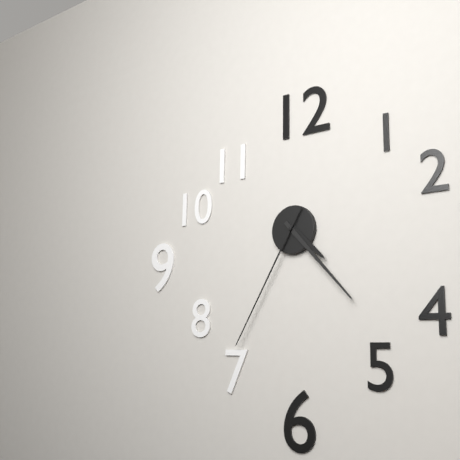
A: 4:23:35
